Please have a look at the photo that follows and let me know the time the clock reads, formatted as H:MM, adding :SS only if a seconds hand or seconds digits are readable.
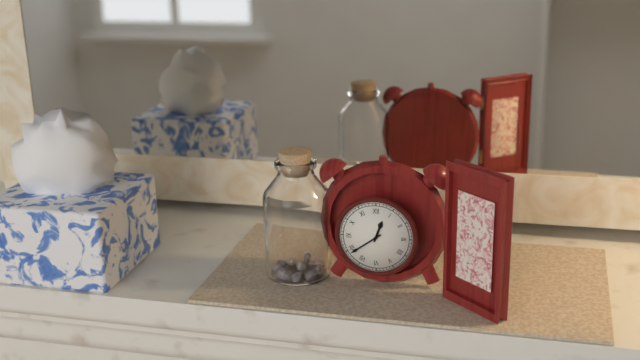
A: 12:39
